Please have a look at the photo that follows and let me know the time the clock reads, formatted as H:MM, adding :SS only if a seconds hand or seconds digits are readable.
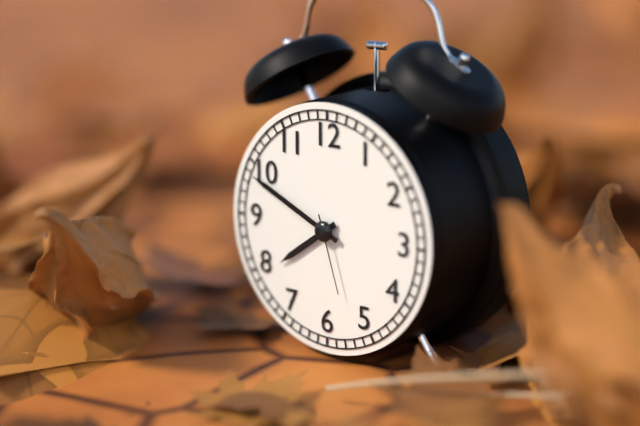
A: 7:49:27
